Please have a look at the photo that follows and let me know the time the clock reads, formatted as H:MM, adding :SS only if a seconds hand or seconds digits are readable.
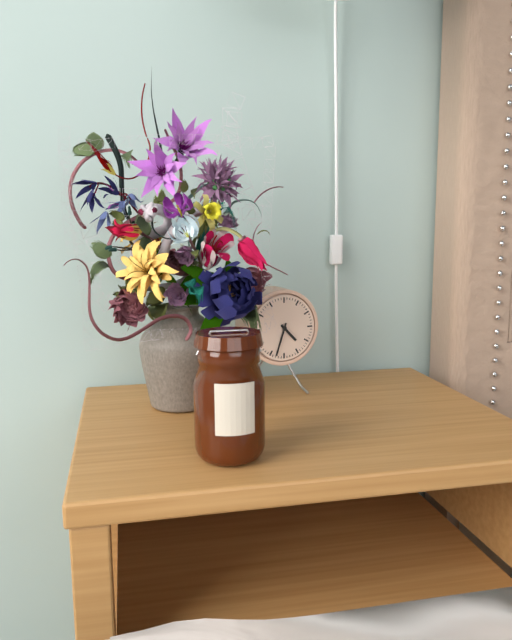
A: 4:33
